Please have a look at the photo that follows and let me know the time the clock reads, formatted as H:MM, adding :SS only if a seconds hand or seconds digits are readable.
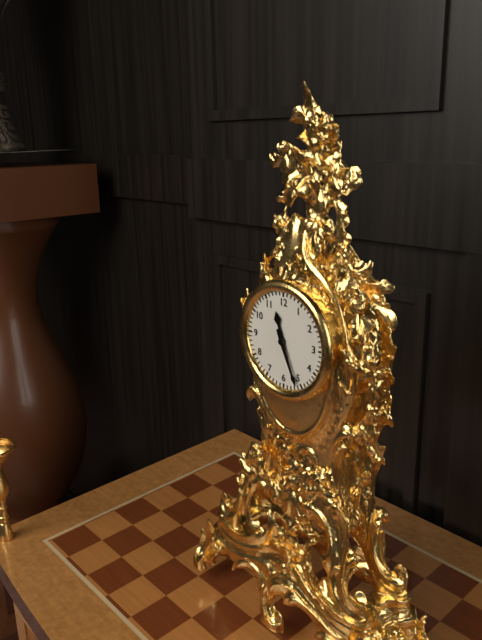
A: 11:26
